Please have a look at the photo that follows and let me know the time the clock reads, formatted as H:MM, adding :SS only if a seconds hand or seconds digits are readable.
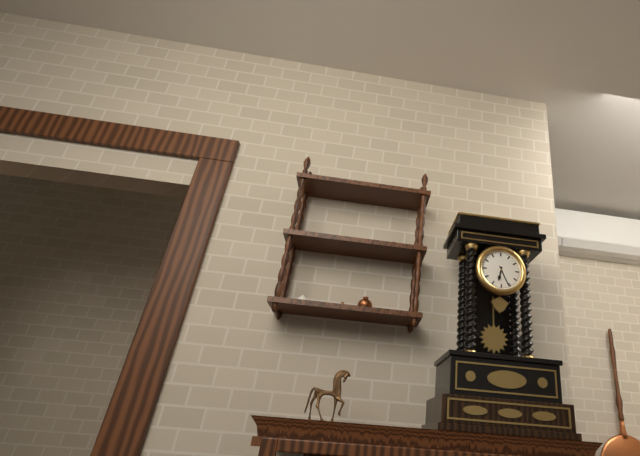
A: 6:26
